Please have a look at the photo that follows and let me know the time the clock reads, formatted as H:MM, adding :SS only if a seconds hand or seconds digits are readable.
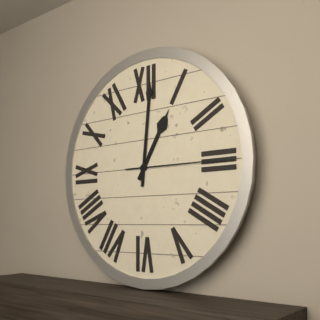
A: 1:01:15
